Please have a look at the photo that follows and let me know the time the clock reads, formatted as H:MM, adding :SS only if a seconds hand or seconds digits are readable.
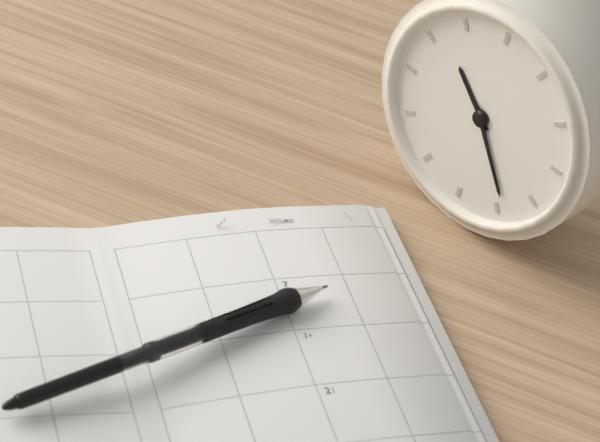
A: 10:24
